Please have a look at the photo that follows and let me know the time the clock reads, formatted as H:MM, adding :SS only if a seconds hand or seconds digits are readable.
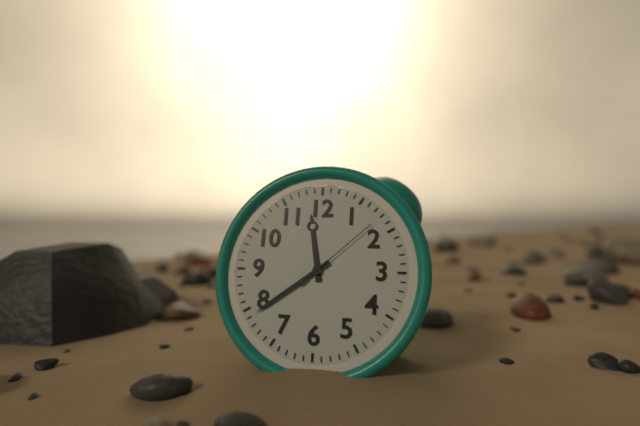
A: 11:39:08
